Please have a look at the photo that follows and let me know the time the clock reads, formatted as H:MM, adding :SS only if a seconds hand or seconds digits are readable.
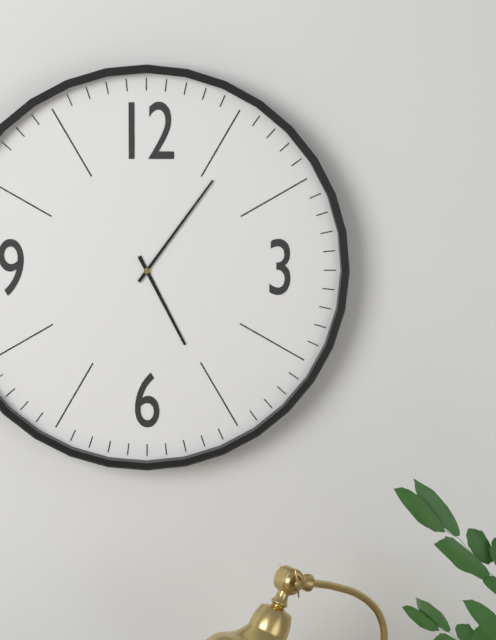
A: 5:06
